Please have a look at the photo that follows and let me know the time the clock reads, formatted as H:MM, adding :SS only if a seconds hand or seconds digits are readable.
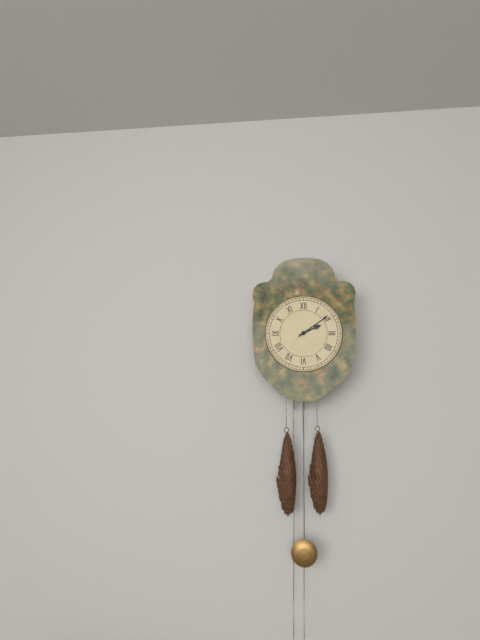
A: 2:09
